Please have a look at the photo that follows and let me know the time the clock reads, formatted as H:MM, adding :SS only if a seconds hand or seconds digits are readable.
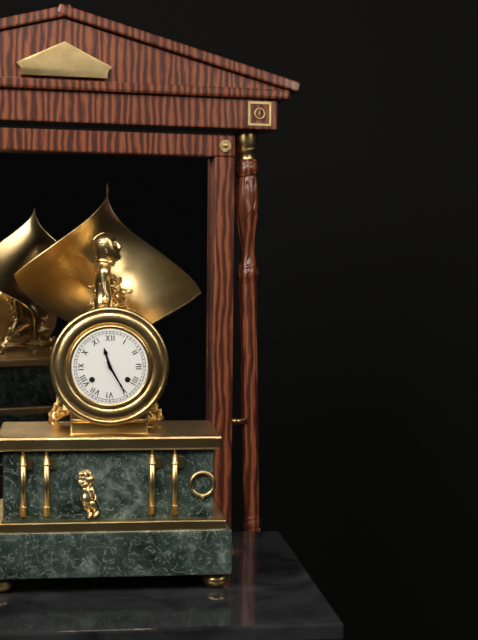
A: 11:25
